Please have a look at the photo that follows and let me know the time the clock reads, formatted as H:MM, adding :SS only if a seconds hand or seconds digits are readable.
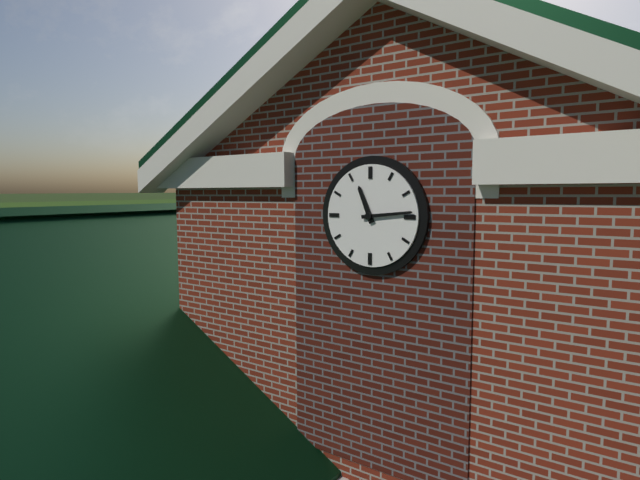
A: 11:14
